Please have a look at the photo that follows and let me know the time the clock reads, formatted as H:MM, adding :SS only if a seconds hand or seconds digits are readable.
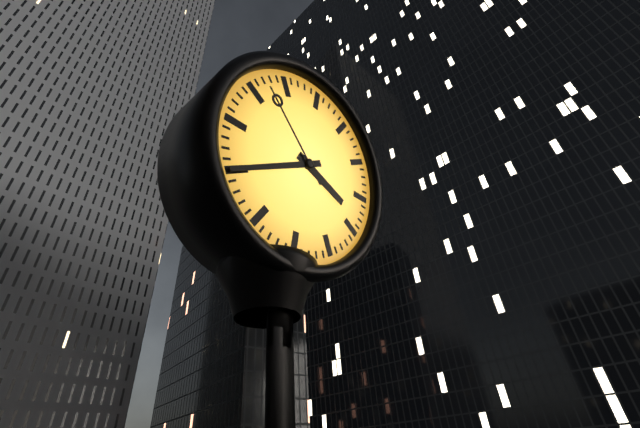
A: 3:40:52
